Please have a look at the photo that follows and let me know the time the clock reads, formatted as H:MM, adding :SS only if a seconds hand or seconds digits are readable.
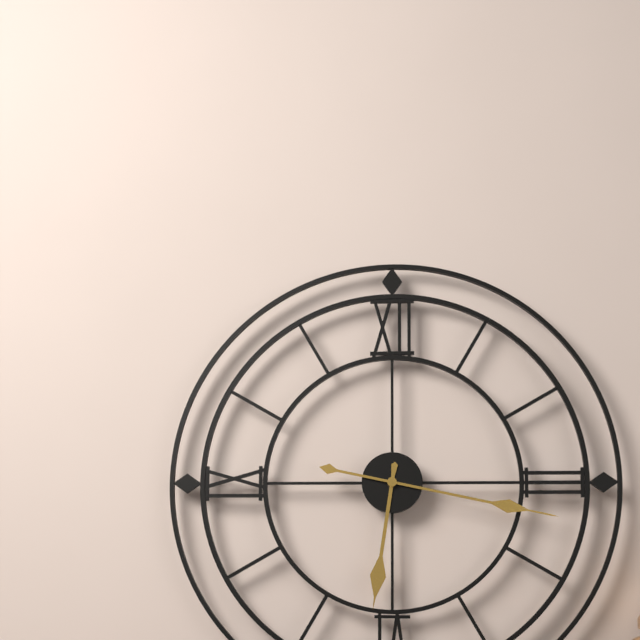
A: 6:17
